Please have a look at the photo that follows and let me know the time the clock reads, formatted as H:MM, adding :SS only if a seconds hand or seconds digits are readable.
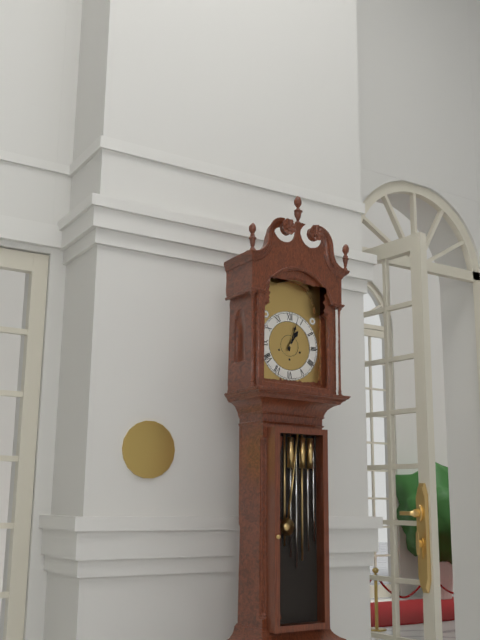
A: 1:03
